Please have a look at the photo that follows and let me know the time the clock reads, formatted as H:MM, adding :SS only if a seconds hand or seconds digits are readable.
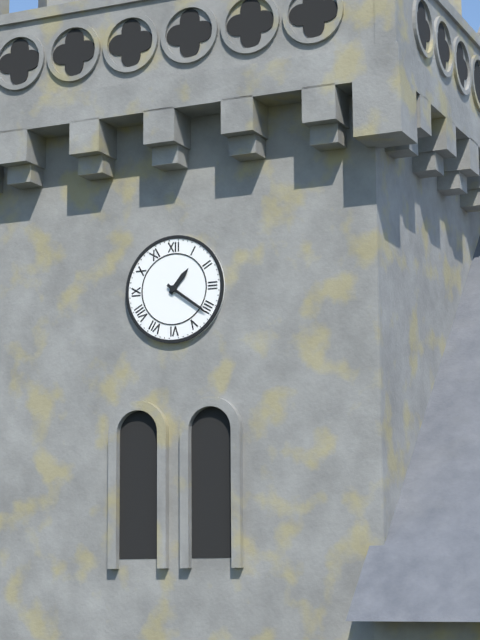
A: 1:21
